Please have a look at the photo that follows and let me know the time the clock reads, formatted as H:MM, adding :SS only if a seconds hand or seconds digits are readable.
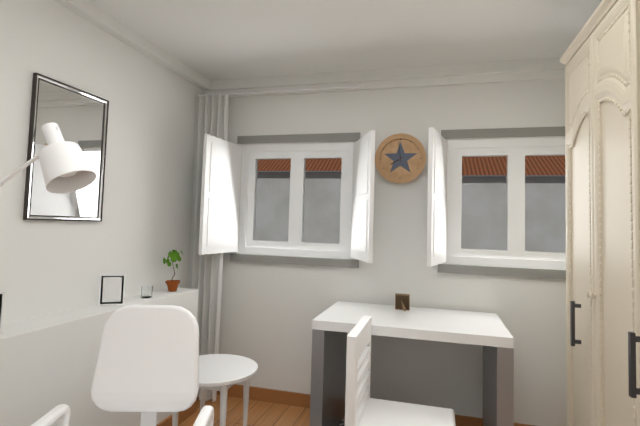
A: 7:59
